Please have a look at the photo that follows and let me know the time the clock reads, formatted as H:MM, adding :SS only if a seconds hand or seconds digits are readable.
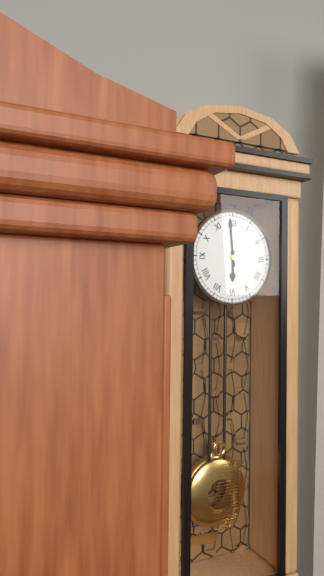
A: 5:59
